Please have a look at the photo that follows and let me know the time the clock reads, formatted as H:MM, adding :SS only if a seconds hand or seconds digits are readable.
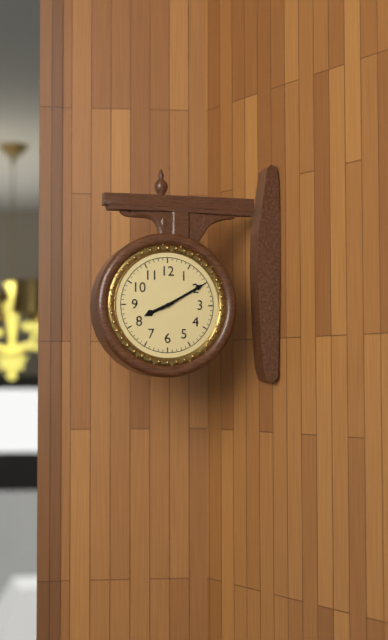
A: 8:10
